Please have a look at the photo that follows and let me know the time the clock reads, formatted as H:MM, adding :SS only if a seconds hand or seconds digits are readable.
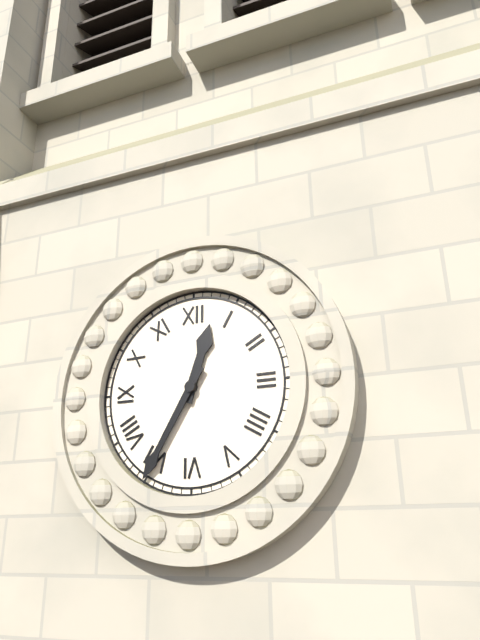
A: 12:35
